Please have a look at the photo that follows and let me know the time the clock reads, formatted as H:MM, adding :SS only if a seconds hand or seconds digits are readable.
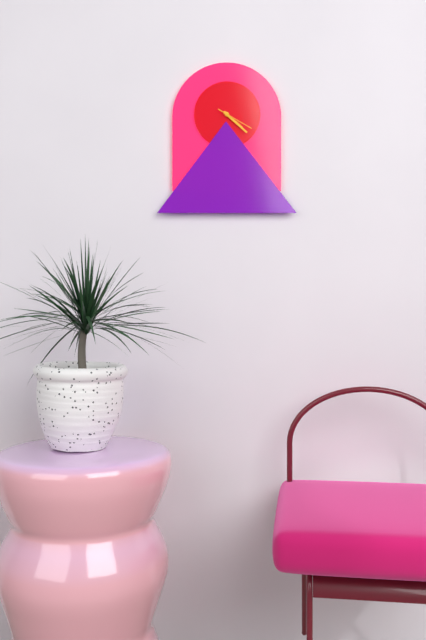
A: 4:22
